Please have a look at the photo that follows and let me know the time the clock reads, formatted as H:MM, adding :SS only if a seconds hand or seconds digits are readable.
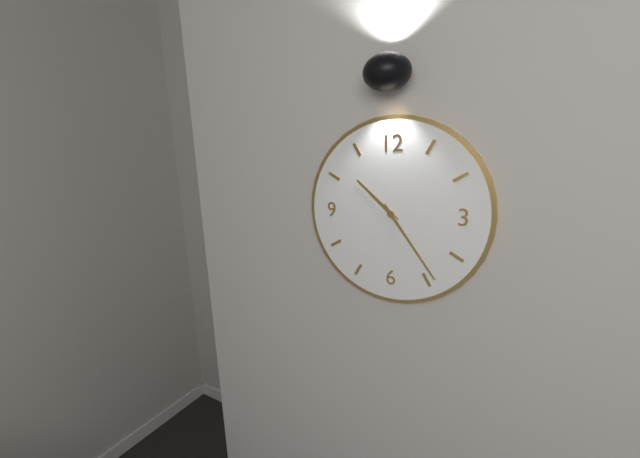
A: 10:24
